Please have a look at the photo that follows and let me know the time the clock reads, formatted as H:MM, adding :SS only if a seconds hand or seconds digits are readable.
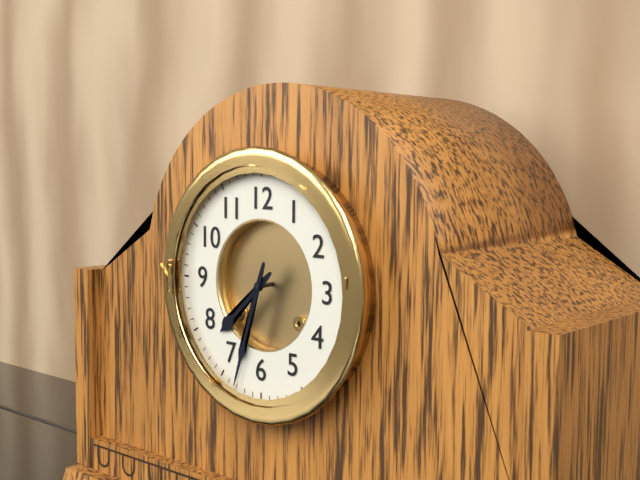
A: 7:33
